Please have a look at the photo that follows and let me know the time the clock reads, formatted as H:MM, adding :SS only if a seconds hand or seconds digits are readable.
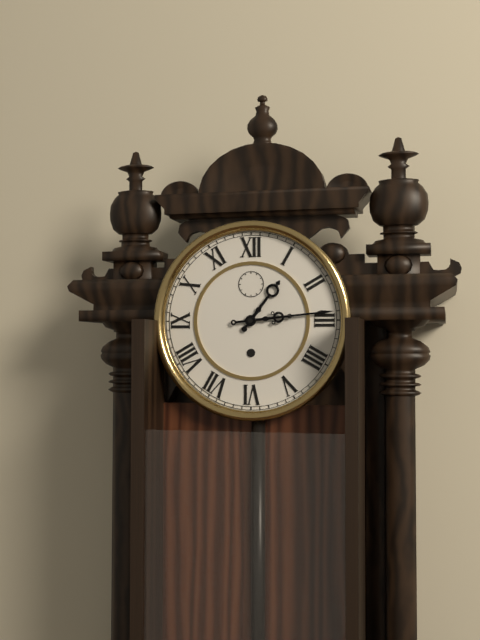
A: 1:14
